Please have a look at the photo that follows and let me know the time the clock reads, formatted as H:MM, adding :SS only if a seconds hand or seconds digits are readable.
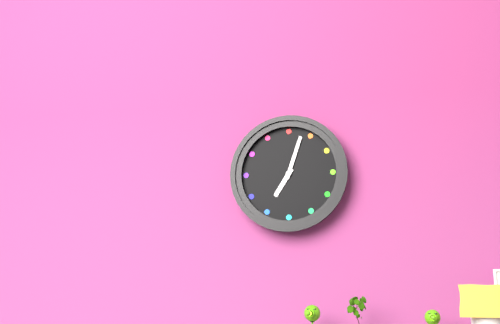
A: 7:03
